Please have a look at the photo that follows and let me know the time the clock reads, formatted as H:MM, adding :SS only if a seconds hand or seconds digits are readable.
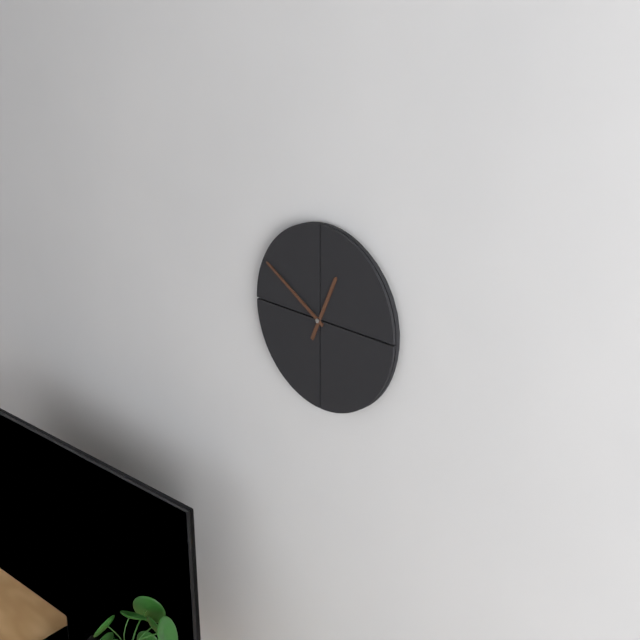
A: 12:50
